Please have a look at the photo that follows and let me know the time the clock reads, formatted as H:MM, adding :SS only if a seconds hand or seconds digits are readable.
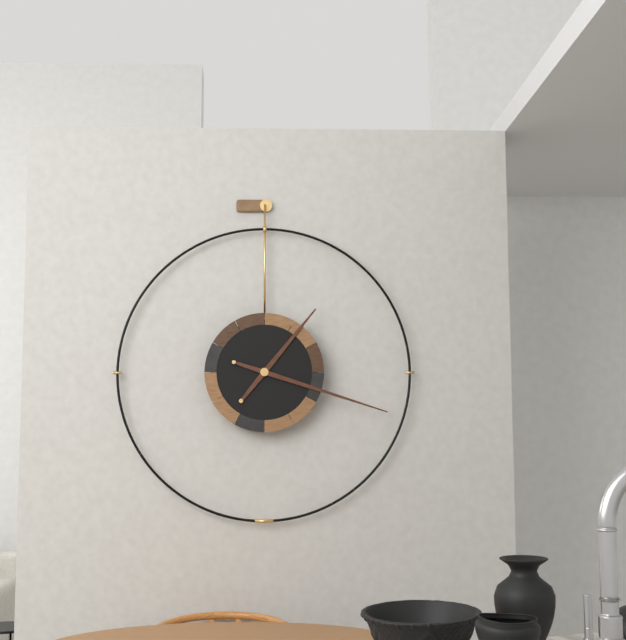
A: 1:18
